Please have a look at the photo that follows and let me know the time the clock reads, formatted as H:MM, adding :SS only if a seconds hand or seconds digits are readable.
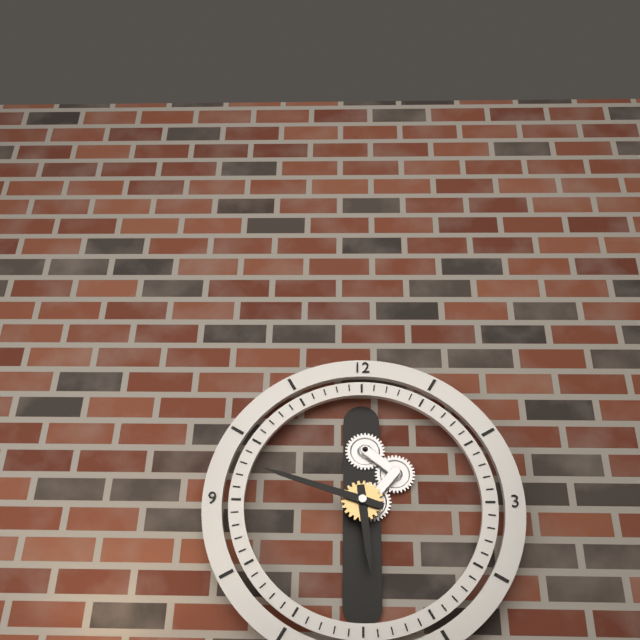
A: 5:48
